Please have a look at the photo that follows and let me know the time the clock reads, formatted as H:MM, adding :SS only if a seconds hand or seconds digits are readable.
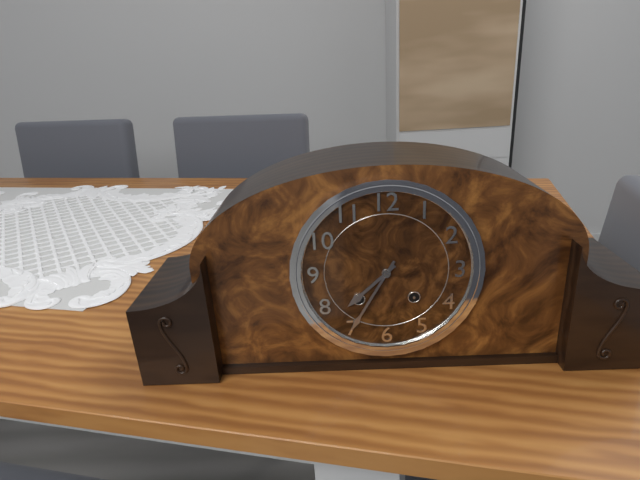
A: 7:35
